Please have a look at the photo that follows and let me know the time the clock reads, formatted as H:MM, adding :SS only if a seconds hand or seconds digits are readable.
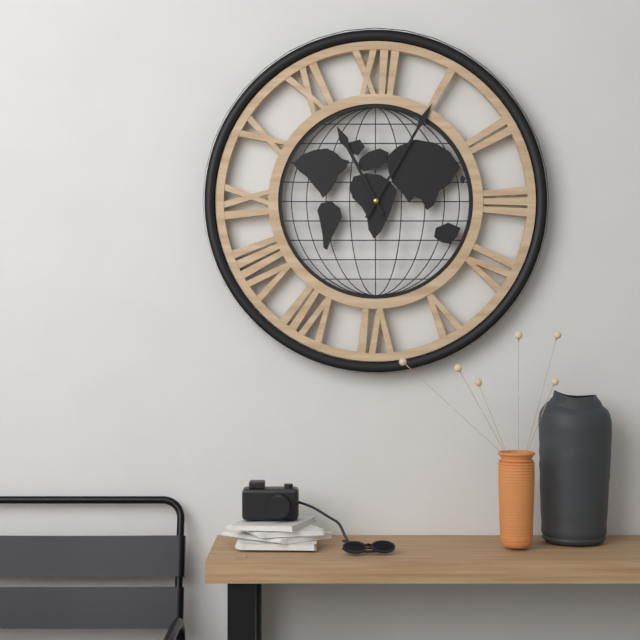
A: 11:05
